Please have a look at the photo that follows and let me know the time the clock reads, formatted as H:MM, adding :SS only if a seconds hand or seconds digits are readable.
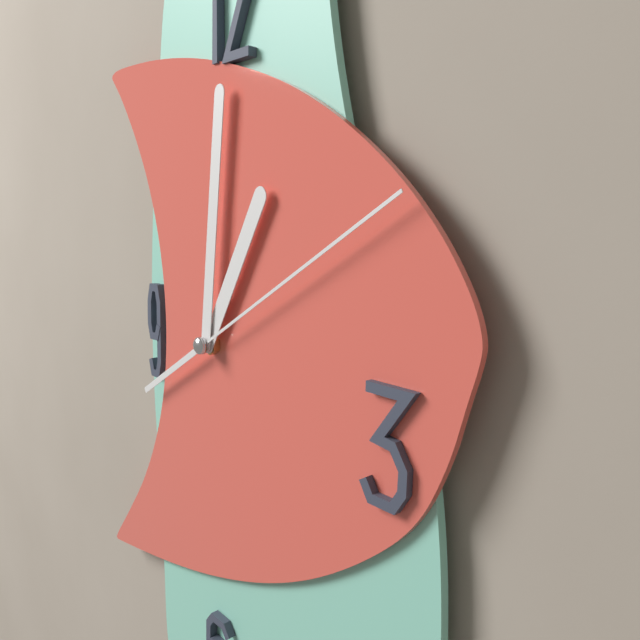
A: 1:01:10
